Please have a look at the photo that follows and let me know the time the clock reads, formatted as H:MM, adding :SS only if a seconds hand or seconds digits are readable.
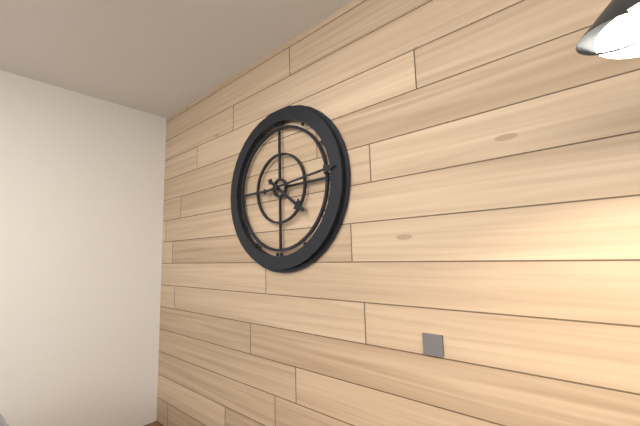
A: 4:14
